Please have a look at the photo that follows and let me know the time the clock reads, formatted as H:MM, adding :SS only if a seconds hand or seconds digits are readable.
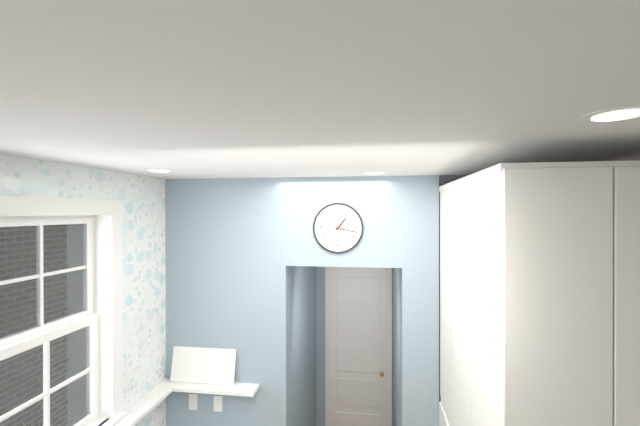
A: 1:17
